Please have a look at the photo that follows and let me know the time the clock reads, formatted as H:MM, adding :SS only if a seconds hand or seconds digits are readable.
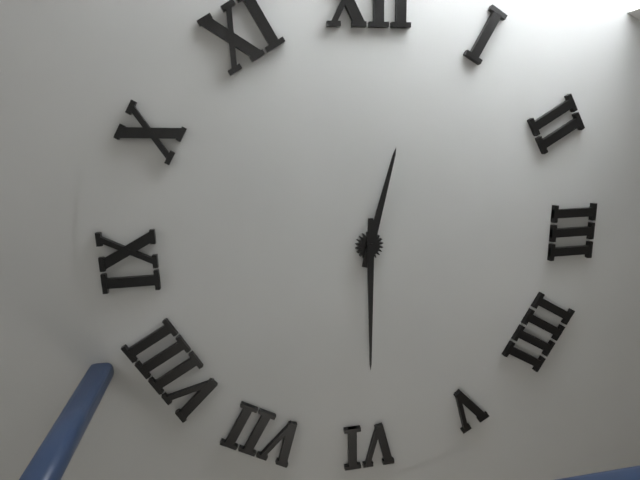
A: 12:30
